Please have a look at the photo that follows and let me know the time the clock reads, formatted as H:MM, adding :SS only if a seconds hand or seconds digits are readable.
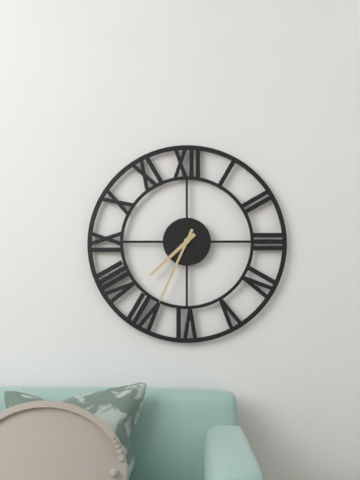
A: 7:34
